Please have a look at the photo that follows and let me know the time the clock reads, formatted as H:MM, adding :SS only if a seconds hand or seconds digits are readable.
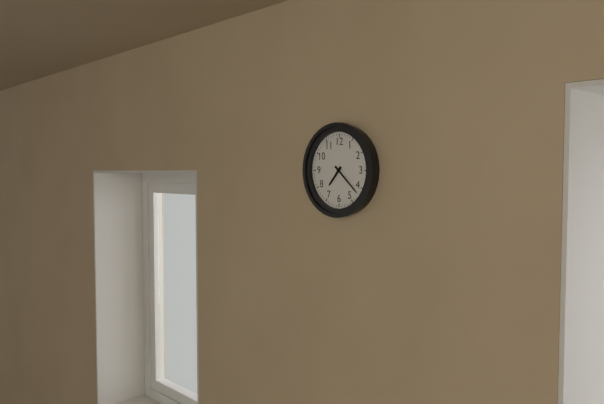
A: 7:22
